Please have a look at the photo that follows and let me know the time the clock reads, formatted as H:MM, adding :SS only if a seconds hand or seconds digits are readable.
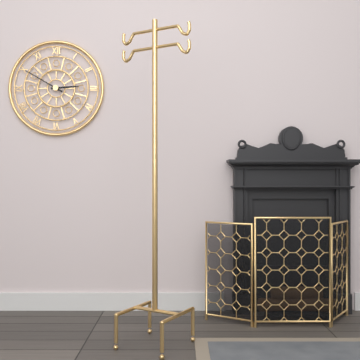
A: 2:50
